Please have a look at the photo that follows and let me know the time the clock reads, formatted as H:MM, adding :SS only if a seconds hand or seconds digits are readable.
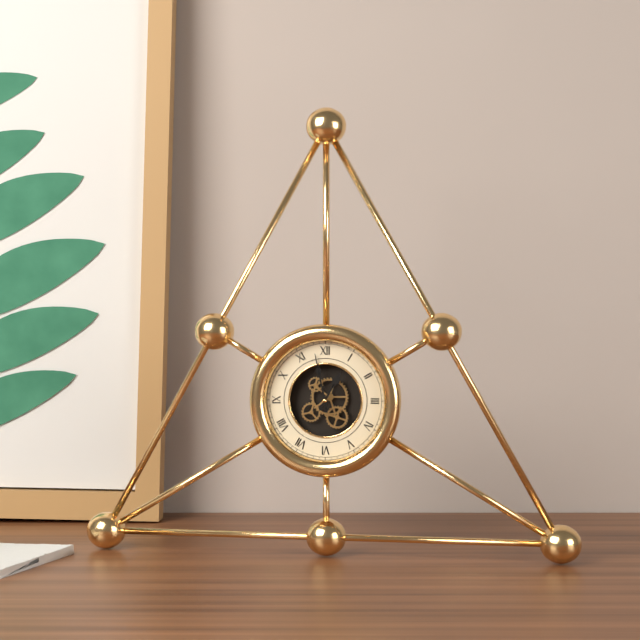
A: 12:58
